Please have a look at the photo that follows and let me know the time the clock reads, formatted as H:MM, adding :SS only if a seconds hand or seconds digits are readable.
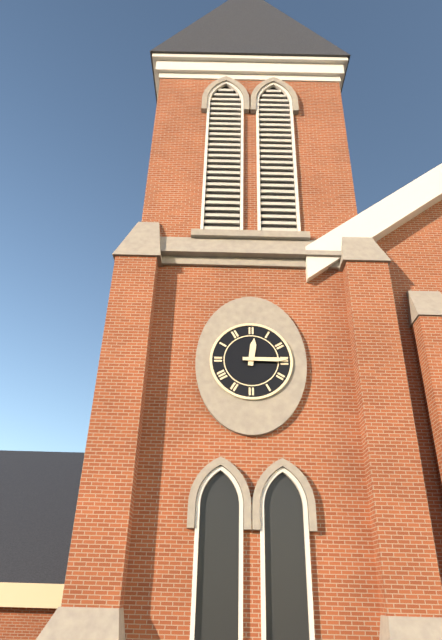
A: 12:15
